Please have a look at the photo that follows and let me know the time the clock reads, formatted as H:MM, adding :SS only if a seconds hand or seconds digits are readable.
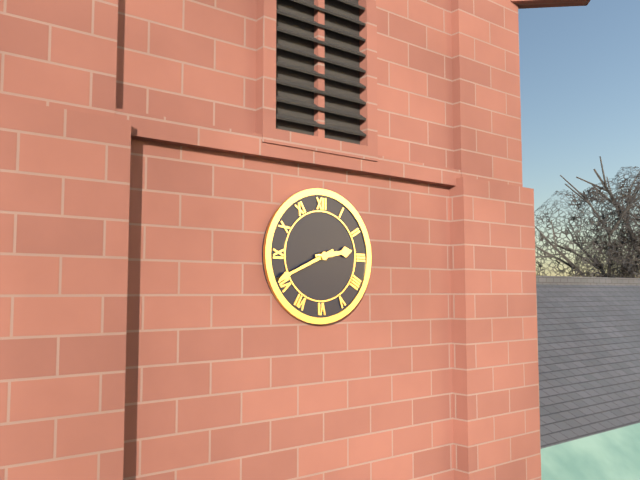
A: 2:41
